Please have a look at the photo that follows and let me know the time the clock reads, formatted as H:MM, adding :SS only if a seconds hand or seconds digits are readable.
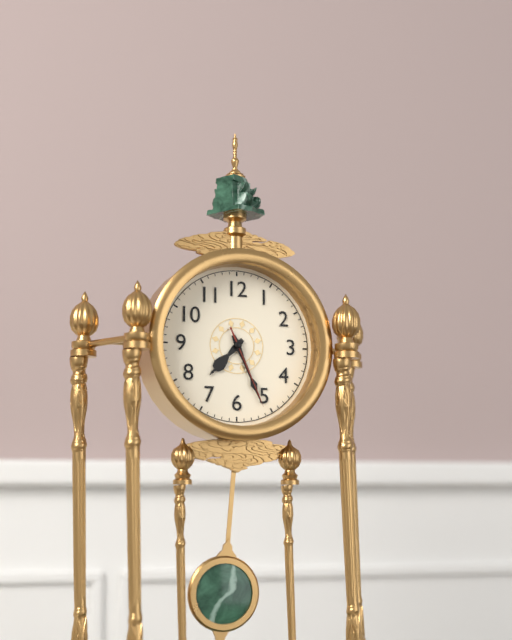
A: 7:26:26
